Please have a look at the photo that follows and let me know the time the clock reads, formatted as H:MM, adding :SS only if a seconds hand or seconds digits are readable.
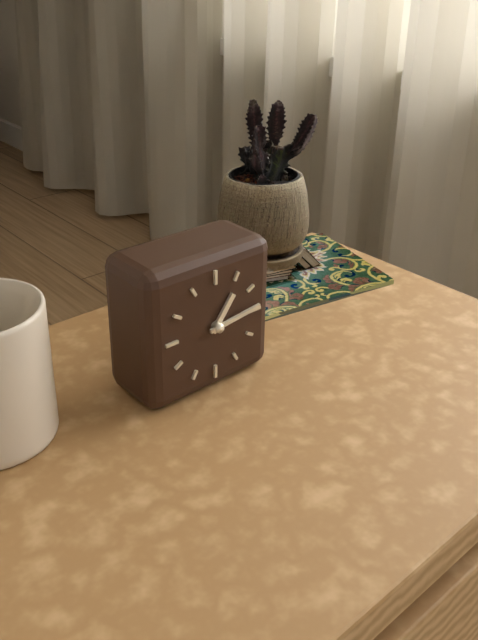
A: 1:14
